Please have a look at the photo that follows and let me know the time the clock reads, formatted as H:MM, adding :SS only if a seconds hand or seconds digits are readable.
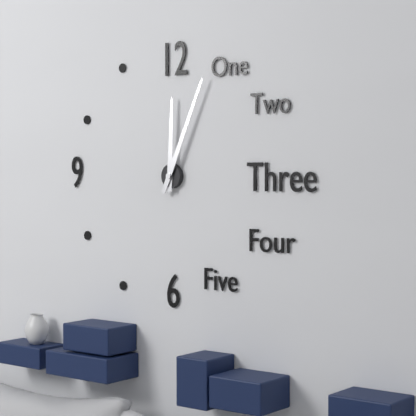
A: 12:04
